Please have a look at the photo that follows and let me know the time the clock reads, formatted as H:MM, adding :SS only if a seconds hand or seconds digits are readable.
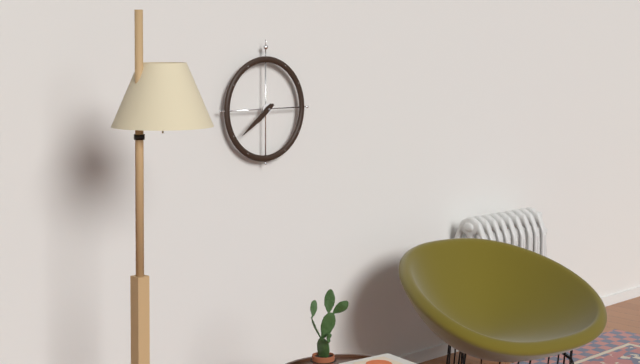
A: 7:39
